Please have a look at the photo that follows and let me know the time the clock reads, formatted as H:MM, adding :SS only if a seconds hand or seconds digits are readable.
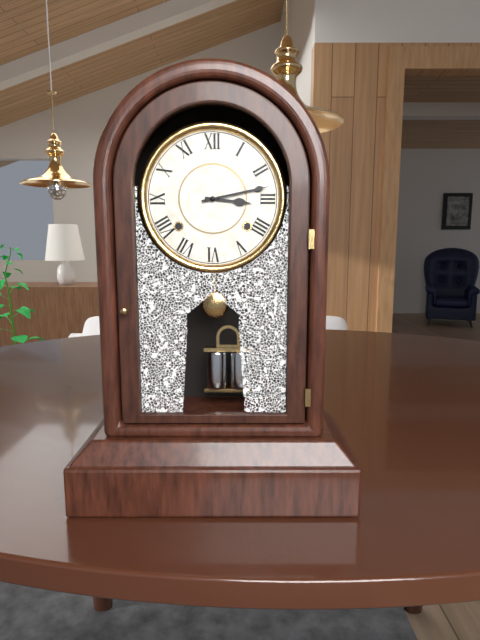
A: 3:13
